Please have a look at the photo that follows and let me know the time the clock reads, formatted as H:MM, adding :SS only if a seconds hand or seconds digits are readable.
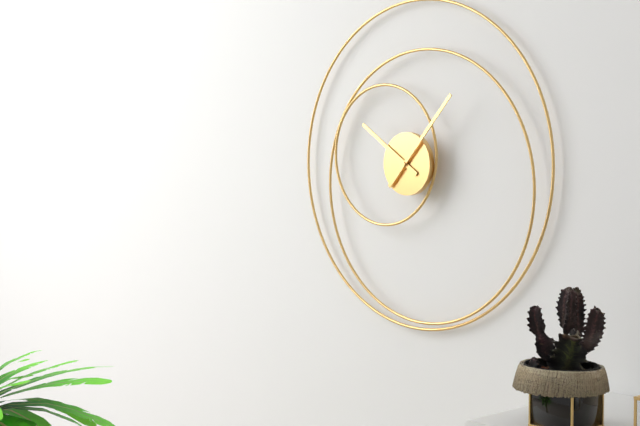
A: 10:07
